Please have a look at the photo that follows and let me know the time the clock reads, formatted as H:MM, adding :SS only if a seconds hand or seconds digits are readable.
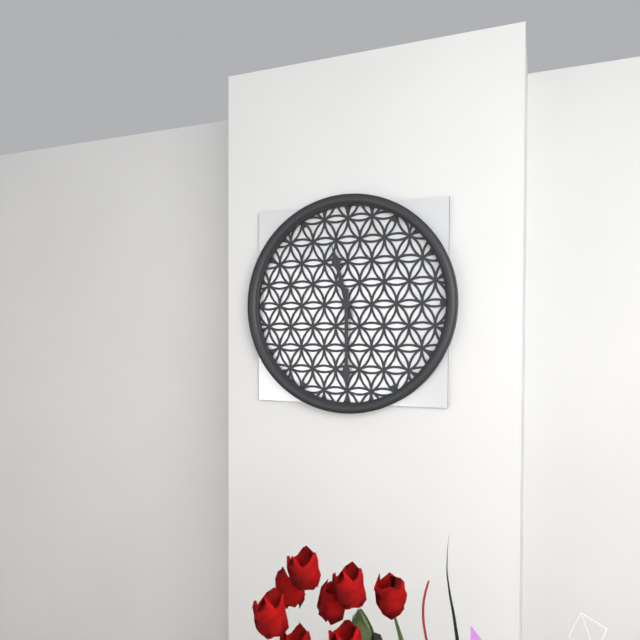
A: 11:30
